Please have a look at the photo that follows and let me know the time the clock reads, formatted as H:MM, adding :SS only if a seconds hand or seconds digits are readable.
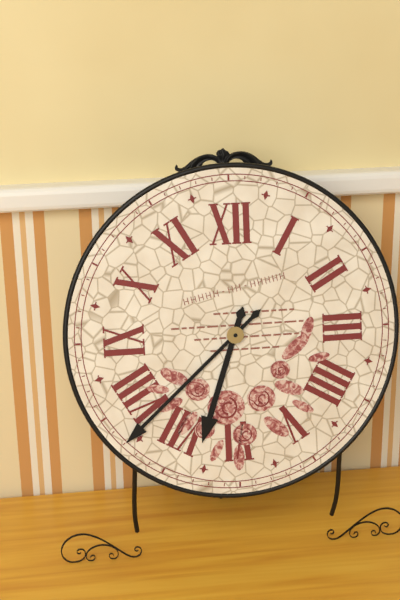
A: 6:38
